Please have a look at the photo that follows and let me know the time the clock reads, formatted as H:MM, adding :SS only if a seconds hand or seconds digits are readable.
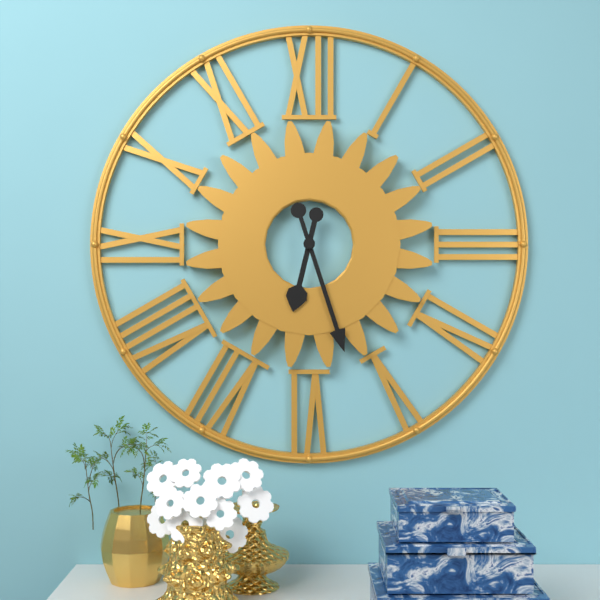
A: 6:27
